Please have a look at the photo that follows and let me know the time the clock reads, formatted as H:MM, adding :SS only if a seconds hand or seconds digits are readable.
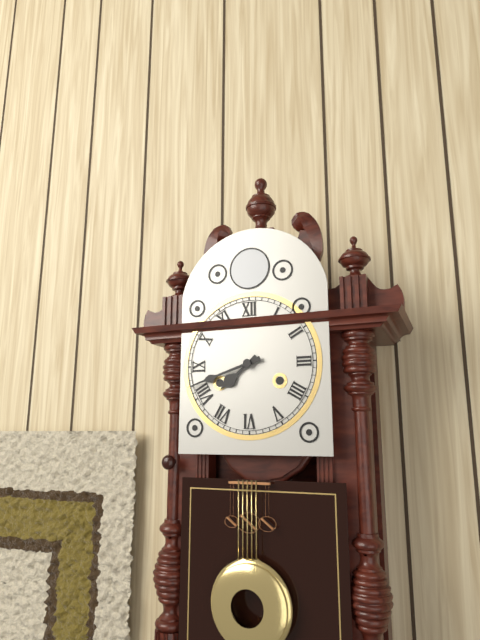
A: 7:42
